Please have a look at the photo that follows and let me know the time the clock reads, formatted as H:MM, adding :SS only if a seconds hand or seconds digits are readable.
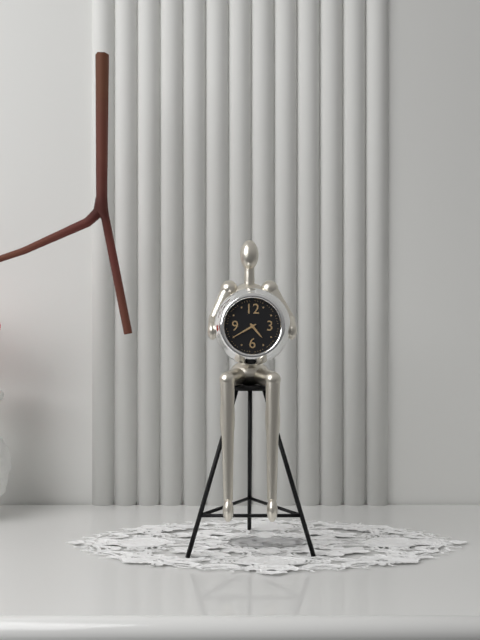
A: 4:40
